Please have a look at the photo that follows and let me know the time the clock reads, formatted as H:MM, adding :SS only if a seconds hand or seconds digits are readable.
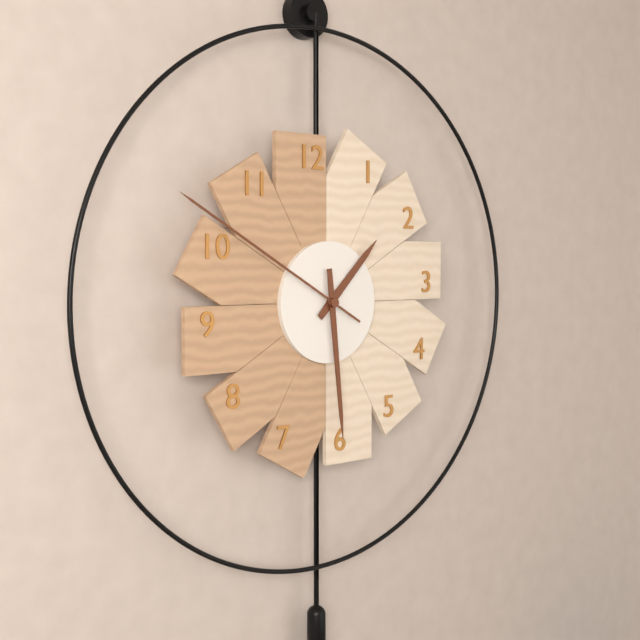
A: 1:29:50
